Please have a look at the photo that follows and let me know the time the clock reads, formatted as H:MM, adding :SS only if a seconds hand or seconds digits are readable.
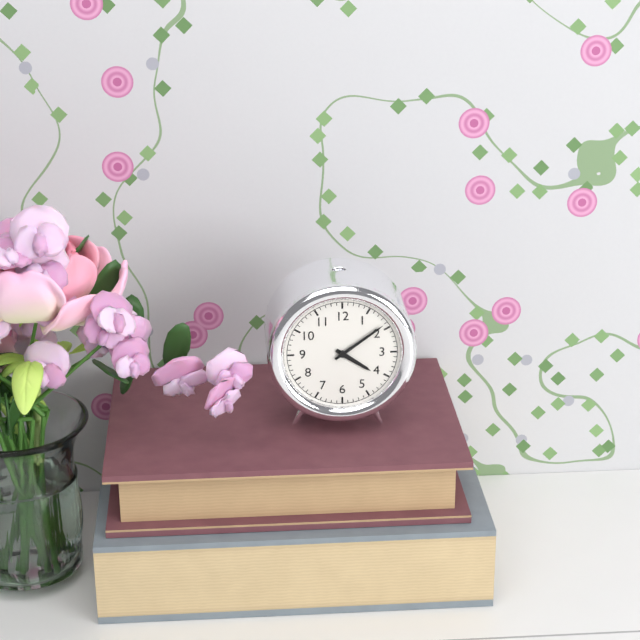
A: 4:09
